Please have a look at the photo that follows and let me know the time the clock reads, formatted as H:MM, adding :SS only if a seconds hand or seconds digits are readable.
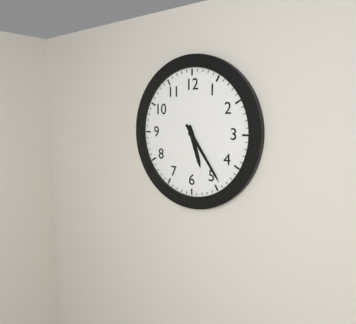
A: 5:24
